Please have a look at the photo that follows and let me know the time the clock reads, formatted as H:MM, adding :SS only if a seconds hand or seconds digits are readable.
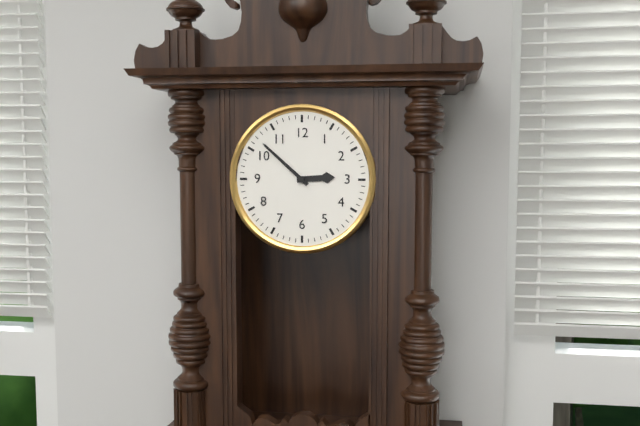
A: 2:52
